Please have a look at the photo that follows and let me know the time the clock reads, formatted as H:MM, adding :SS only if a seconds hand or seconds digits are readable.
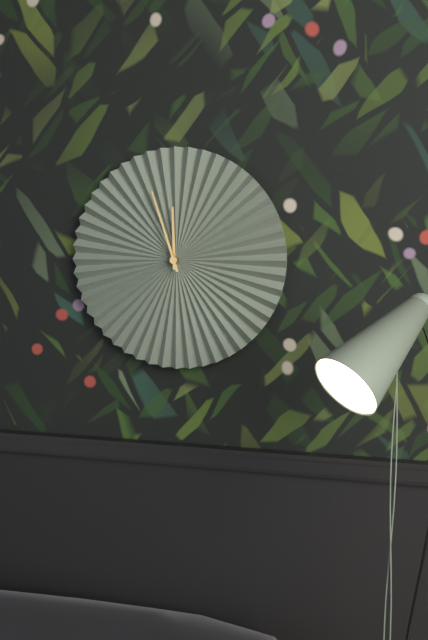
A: 11:57
